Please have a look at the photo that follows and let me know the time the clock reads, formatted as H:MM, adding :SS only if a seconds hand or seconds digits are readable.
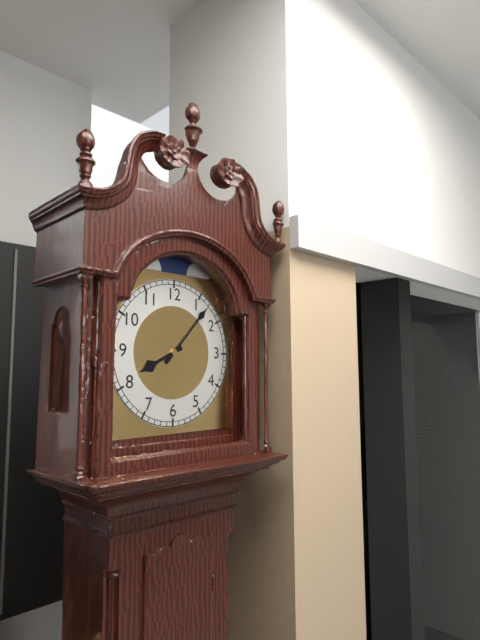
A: 8:07
